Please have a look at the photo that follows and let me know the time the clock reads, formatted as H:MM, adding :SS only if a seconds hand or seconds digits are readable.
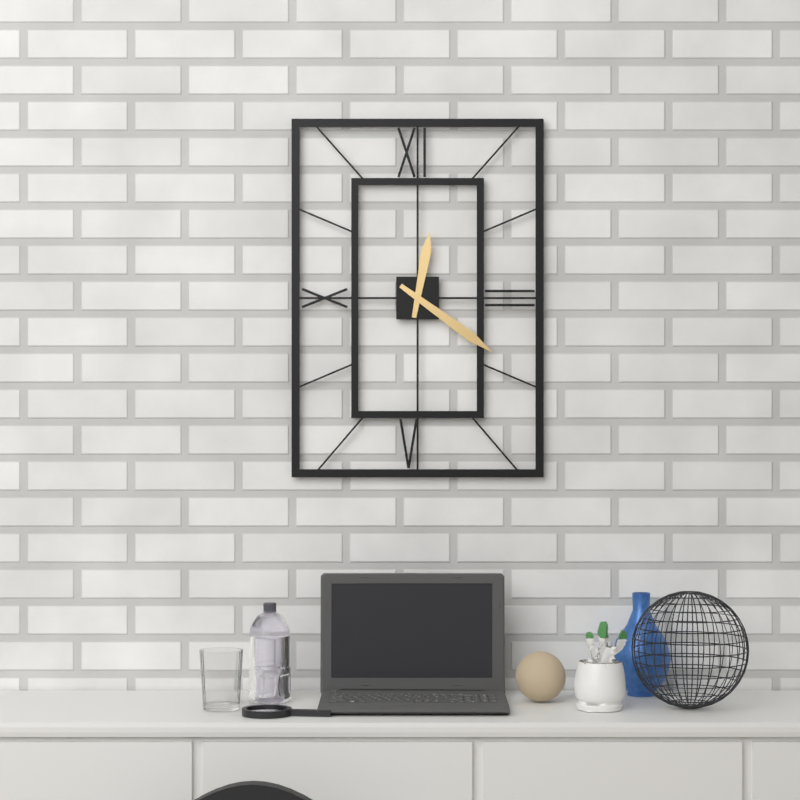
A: 12:21
